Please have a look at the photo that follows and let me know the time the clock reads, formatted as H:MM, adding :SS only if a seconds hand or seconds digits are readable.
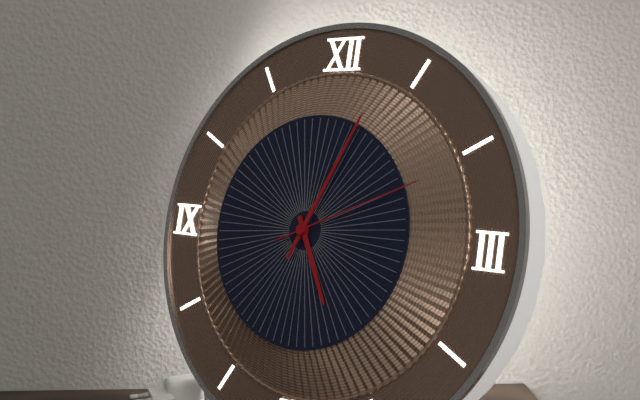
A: 5:04:11
